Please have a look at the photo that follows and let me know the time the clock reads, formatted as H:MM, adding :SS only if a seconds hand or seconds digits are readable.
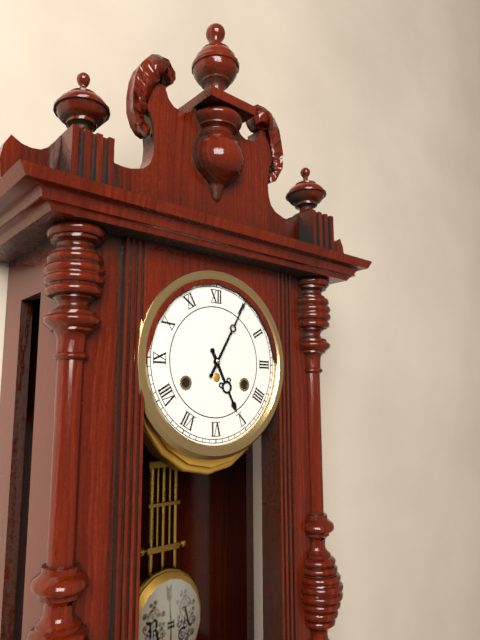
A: 5:05
